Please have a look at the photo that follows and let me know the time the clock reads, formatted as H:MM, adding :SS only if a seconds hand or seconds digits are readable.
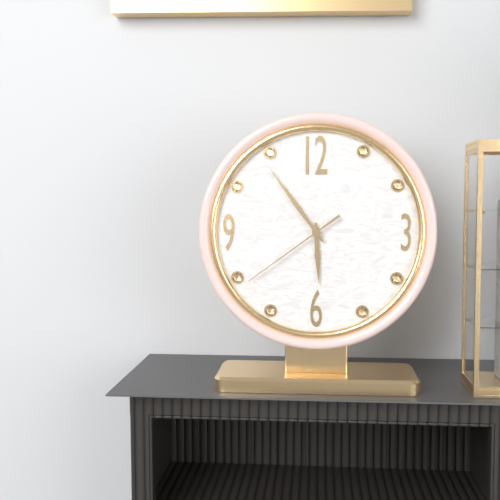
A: 5:54:39
